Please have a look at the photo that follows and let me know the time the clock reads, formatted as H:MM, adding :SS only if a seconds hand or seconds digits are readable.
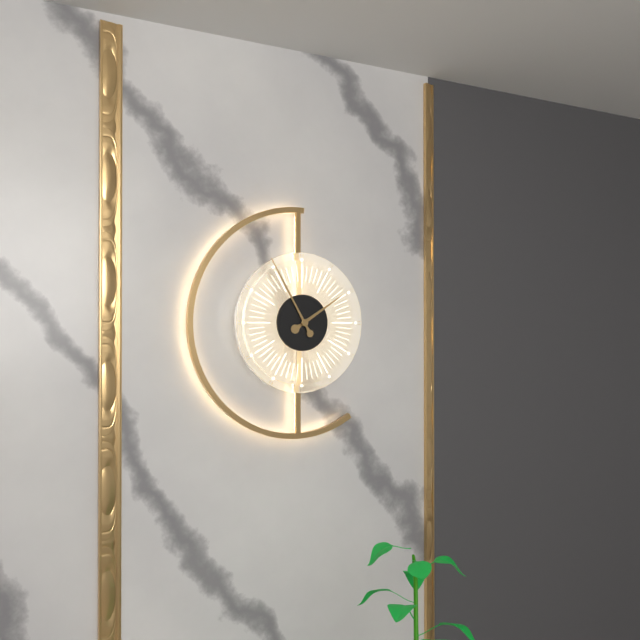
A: 1:55
